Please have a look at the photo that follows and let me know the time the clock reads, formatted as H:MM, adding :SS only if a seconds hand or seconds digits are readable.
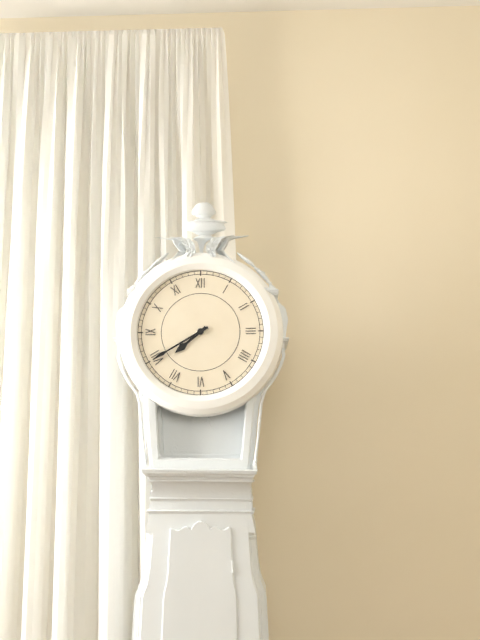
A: 7:40
